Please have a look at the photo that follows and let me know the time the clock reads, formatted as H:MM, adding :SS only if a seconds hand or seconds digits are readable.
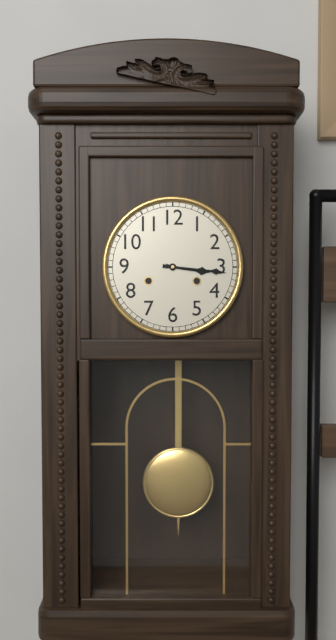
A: 3:16
